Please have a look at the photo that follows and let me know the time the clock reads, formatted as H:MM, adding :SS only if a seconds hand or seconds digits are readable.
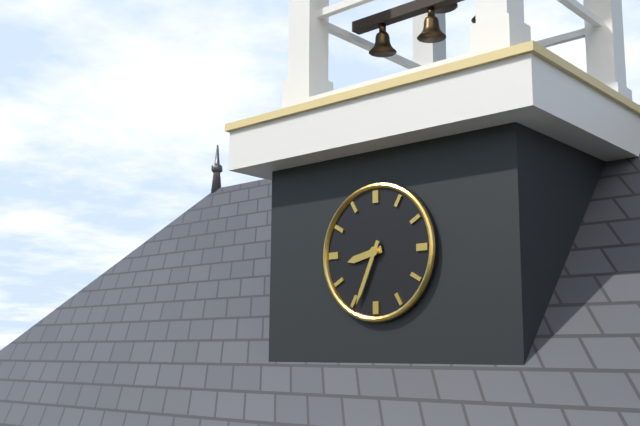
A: 8:34
